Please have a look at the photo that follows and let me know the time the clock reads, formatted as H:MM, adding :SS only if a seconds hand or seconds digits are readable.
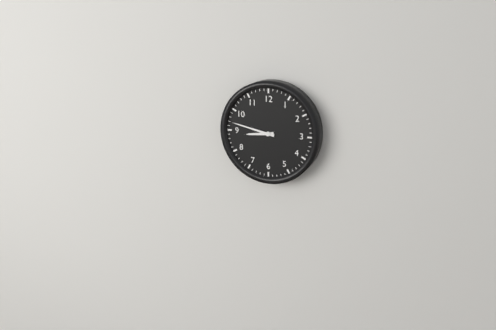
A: 8:47
